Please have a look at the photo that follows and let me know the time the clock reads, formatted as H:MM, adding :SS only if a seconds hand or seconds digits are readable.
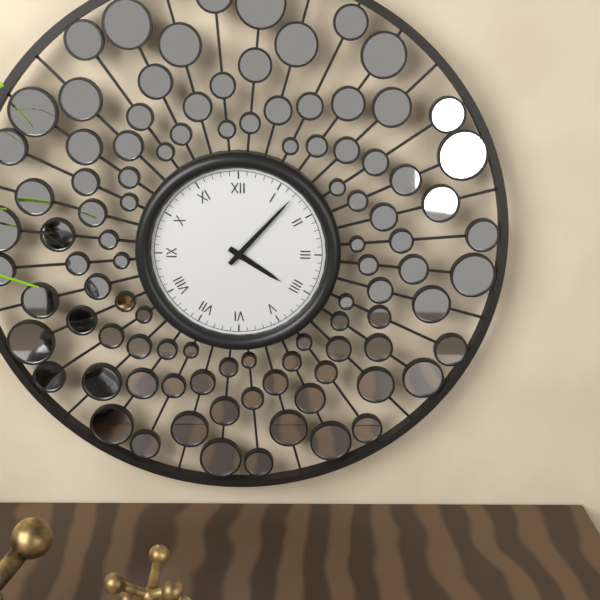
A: 4:07
